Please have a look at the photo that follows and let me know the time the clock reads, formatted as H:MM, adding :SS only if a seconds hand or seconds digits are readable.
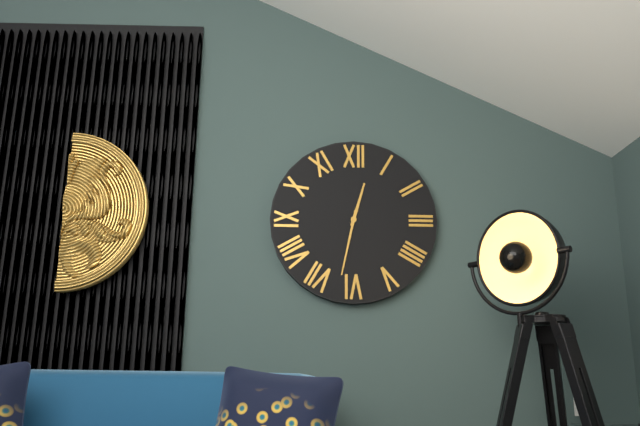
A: 12:32
